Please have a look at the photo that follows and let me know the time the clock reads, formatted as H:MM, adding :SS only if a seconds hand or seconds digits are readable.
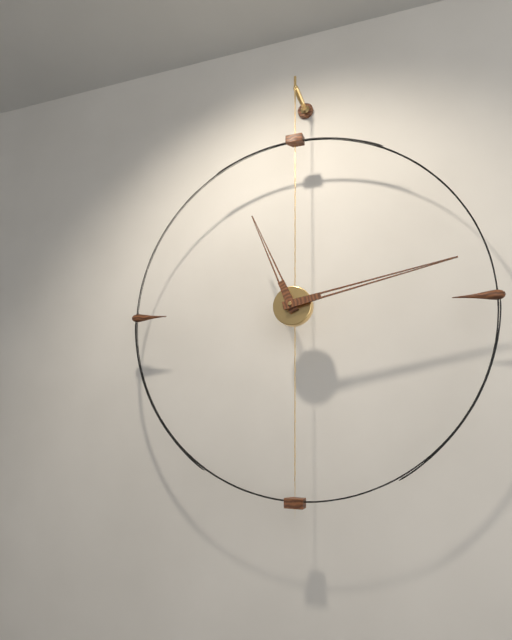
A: 11:13
